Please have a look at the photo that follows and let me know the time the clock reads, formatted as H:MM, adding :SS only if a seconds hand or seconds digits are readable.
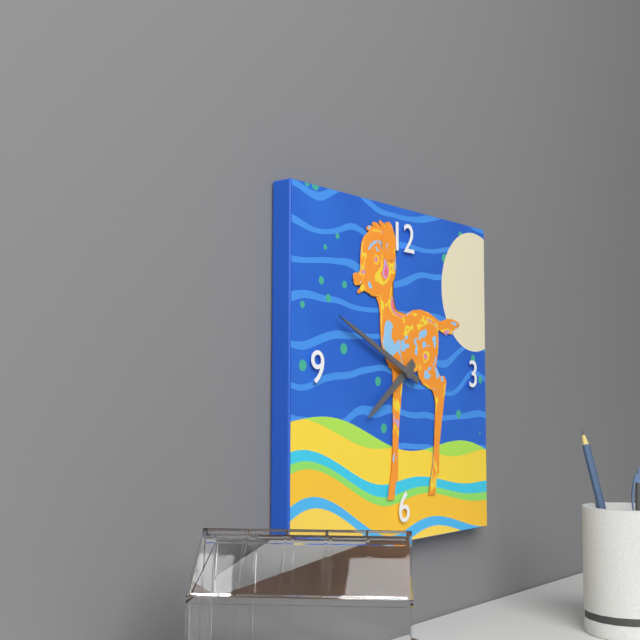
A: 7:49
